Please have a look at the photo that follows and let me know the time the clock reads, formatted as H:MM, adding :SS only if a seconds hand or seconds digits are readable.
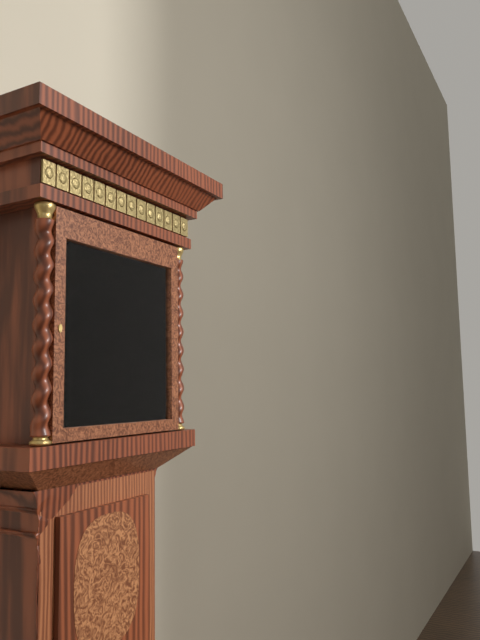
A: 3:41
